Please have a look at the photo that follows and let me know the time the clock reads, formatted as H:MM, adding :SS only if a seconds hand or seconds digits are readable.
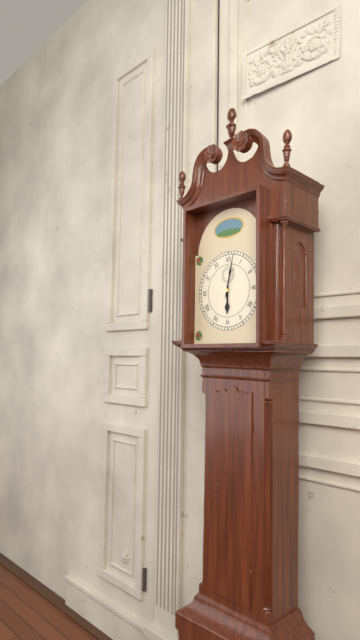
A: 6:02
